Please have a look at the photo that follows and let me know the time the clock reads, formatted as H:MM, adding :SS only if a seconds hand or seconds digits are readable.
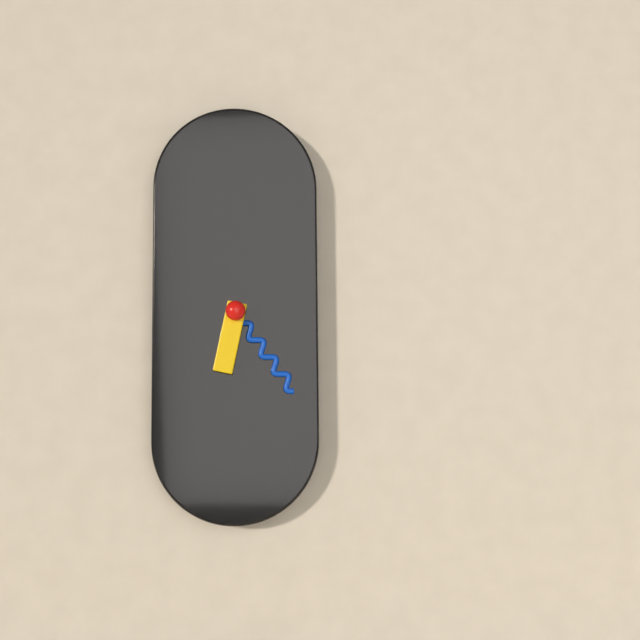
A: 6:24
